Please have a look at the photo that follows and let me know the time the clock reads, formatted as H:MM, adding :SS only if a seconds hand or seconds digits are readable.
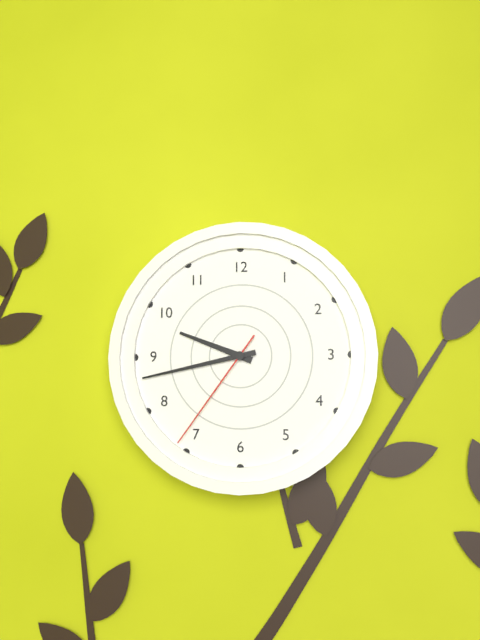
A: 9:43:36
